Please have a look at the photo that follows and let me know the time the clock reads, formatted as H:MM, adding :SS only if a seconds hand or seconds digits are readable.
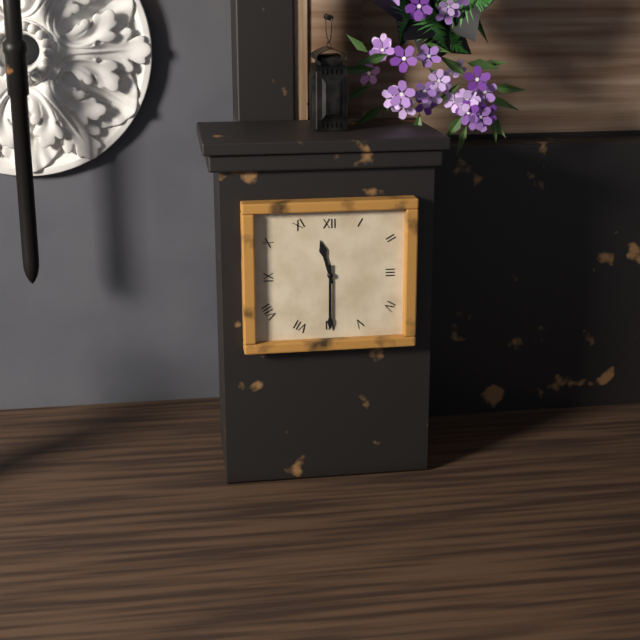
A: 11:30
